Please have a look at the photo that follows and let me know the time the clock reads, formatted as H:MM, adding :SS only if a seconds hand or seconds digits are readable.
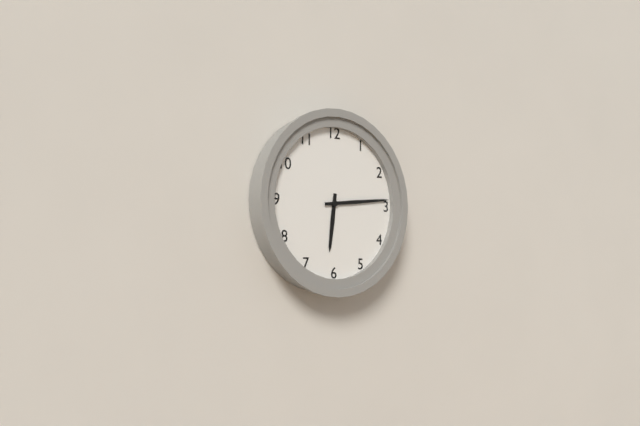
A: 6:14
